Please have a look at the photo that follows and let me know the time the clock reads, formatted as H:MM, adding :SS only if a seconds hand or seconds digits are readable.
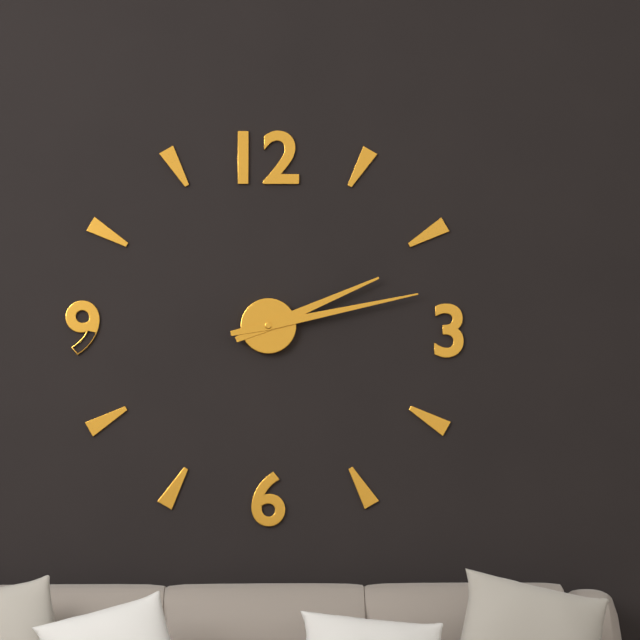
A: 2:13
